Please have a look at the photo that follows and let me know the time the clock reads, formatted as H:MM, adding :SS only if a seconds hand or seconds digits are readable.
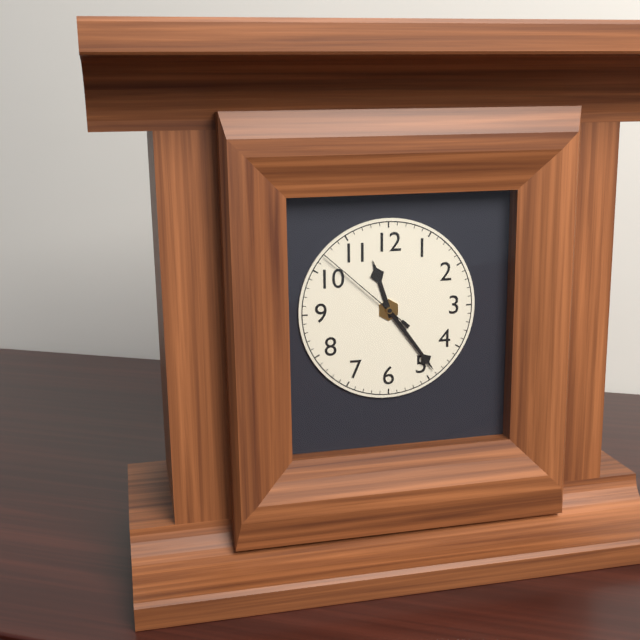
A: 11:24:52
